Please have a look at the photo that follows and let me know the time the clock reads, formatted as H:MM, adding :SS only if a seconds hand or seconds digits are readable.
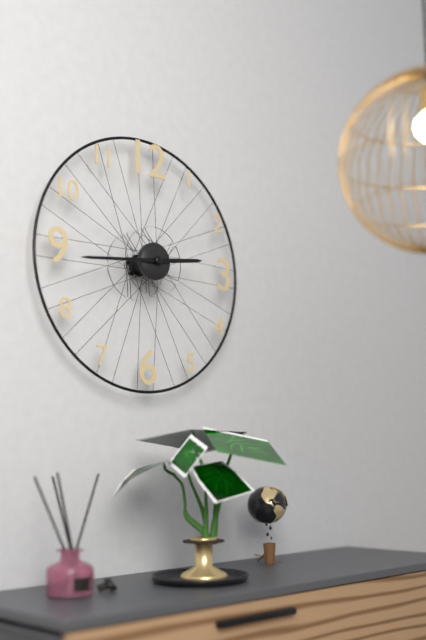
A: 2:44
